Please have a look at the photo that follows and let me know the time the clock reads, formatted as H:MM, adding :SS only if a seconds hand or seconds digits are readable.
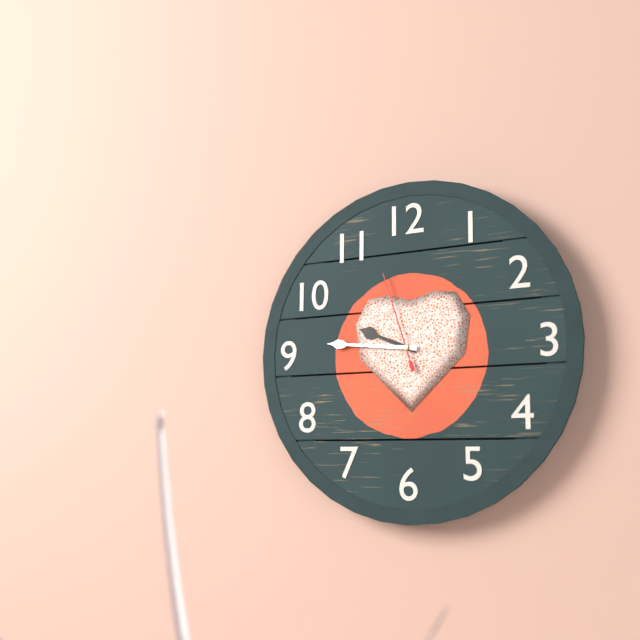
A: 9:46:57
